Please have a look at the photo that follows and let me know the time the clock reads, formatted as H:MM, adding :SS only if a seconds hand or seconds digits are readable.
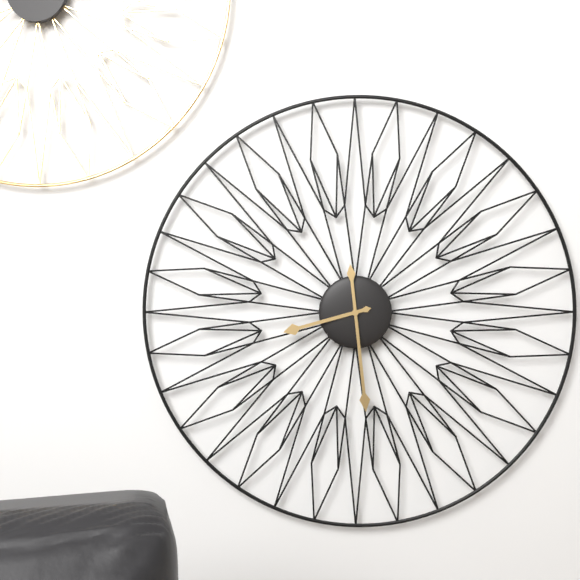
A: 8:29
